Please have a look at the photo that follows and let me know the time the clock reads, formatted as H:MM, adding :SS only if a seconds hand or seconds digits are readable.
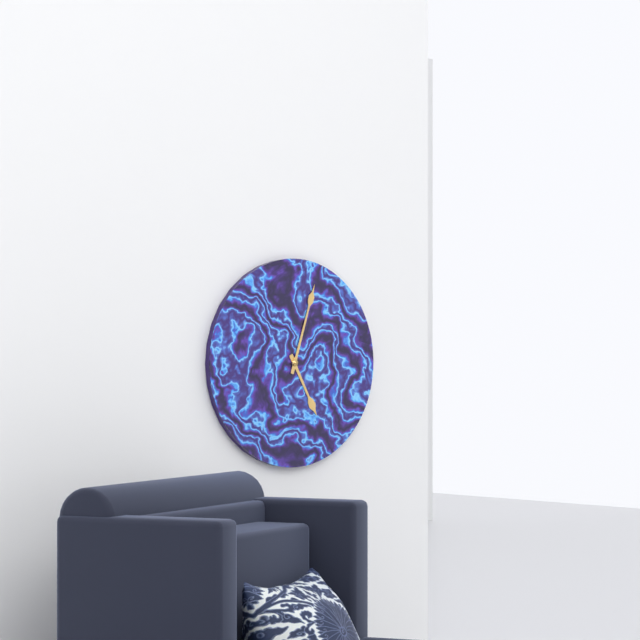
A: 5:03
